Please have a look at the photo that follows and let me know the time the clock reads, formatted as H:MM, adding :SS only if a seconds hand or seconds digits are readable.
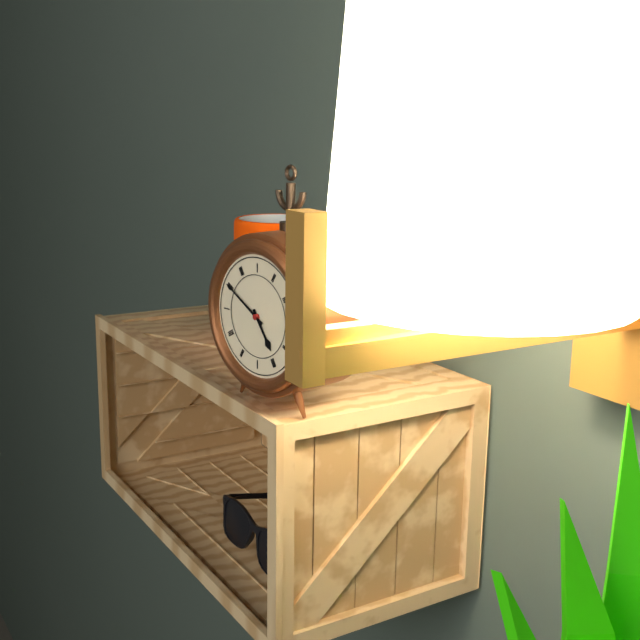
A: 4:50
